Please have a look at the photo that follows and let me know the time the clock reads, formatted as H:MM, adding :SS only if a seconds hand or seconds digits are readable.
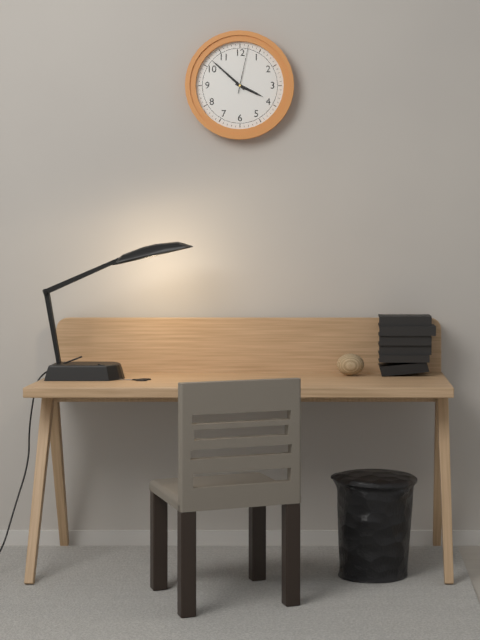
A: 3:52:02
